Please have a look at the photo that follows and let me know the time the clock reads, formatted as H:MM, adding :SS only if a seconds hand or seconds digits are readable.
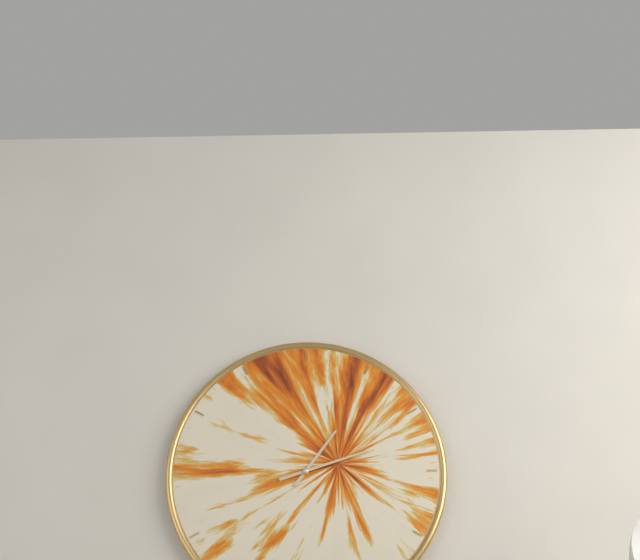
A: 1:12
